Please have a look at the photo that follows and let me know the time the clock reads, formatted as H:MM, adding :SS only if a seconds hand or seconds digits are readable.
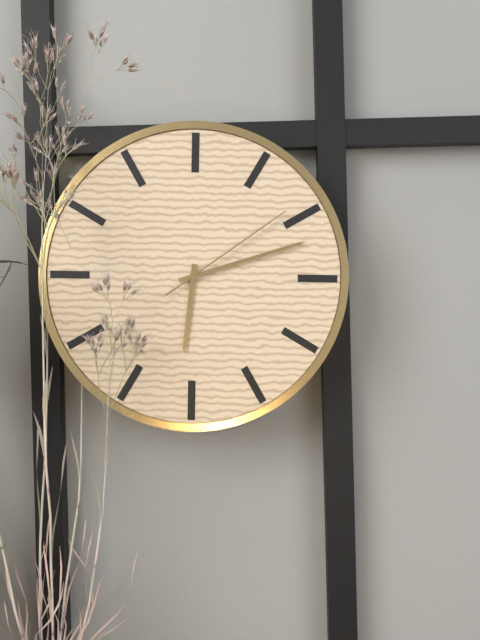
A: 6:12:09
